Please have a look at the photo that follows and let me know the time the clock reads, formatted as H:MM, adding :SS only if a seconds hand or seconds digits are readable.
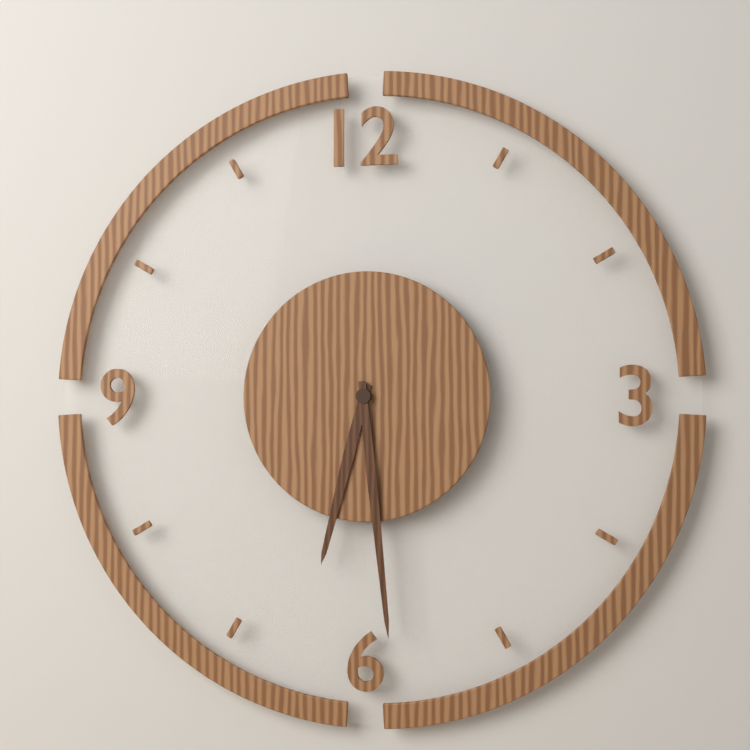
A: 6:29
